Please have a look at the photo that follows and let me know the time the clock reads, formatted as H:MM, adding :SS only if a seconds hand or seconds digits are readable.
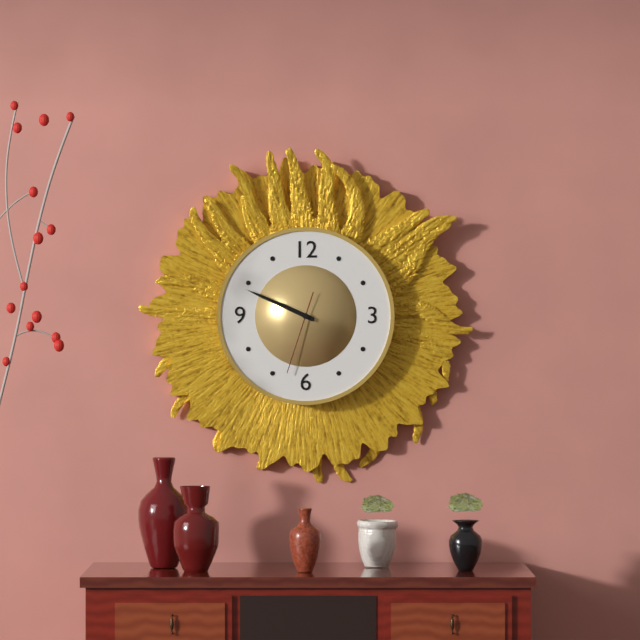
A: 9:49:33
